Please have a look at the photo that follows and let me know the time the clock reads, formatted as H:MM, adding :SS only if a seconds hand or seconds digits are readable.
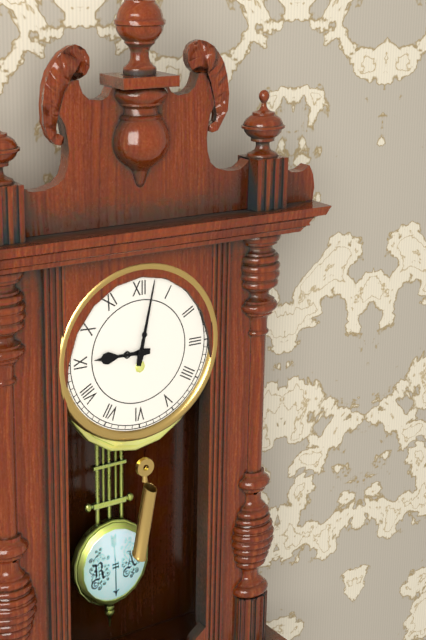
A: 9:02
